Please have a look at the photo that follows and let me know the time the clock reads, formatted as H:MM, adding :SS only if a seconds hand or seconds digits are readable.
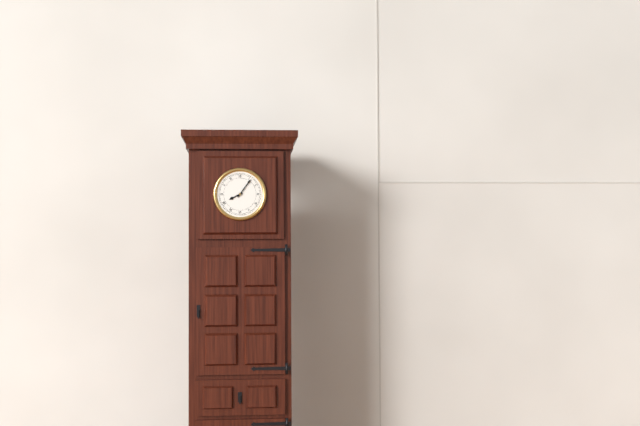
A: 8:06
